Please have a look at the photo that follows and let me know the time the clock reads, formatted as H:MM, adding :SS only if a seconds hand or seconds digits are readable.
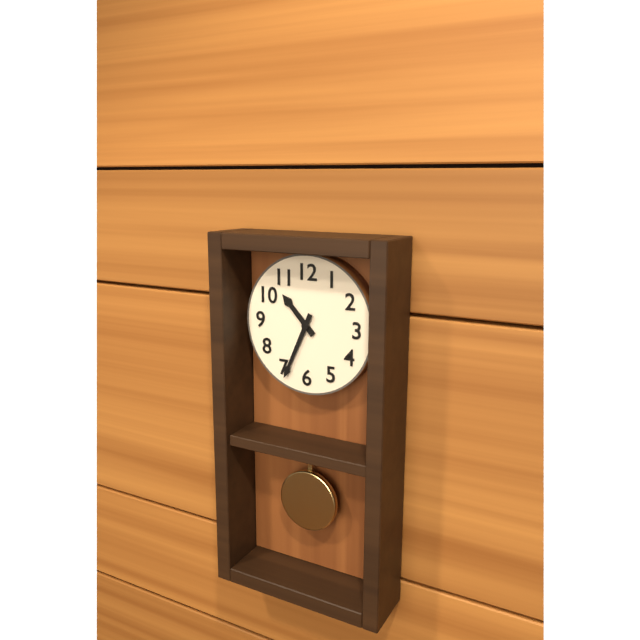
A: 10:34
